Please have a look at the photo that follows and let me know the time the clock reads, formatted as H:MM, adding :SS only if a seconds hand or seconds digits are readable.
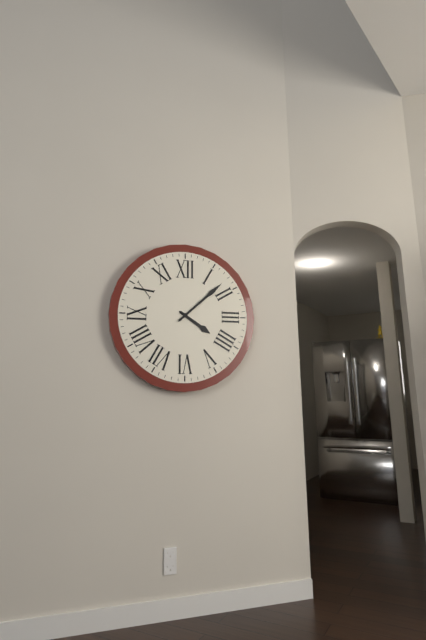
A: 4:08
